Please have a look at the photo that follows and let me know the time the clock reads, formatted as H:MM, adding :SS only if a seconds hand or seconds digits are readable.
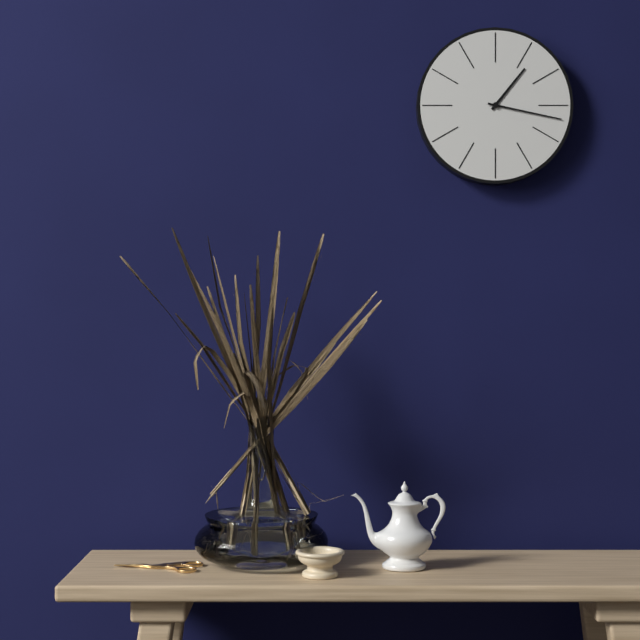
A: 1:17
